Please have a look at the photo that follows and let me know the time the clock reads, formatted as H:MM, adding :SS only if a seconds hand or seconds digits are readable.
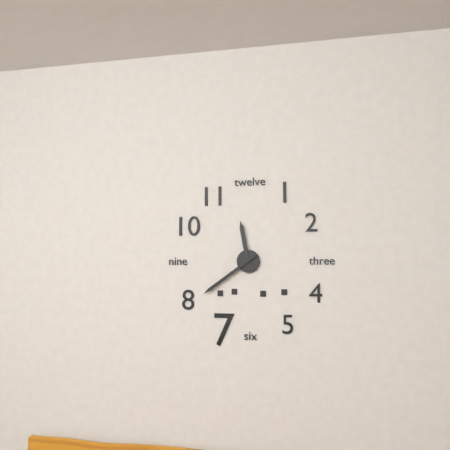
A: 11:39
